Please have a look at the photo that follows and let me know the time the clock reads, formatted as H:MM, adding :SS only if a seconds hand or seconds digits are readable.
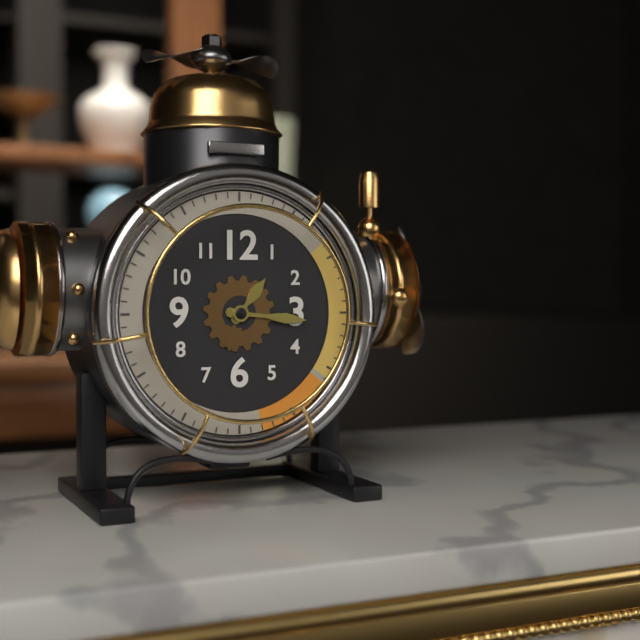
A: 1:16
